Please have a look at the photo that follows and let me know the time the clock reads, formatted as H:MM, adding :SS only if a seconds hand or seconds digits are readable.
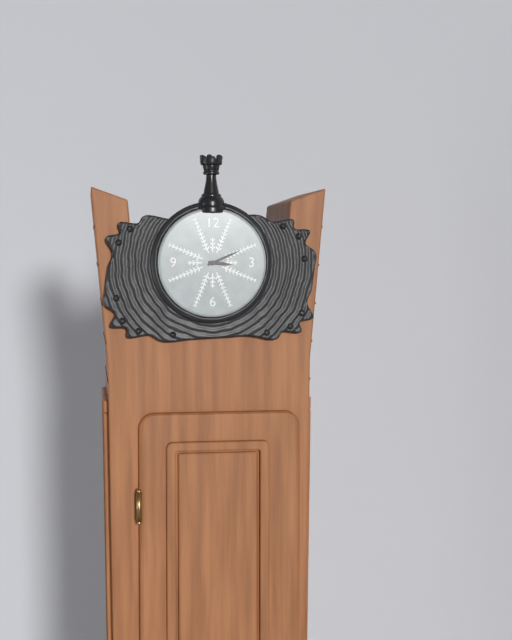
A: 3:11
